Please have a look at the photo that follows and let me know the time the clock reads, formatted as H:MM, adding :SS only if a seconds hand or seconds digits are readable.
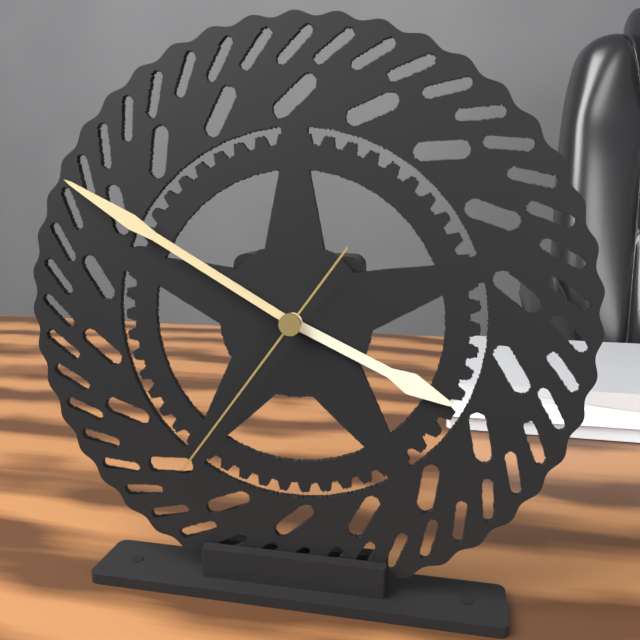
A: 3:50:36
